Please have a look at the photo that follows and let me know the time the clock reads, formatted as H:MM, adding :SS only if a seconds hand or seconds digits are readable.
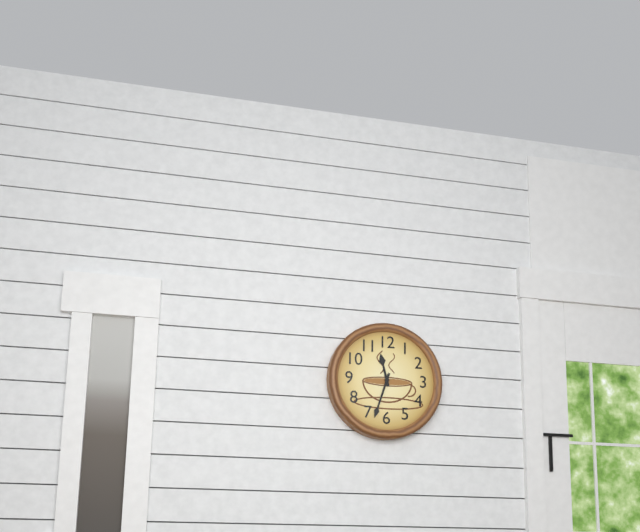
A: 11:33
